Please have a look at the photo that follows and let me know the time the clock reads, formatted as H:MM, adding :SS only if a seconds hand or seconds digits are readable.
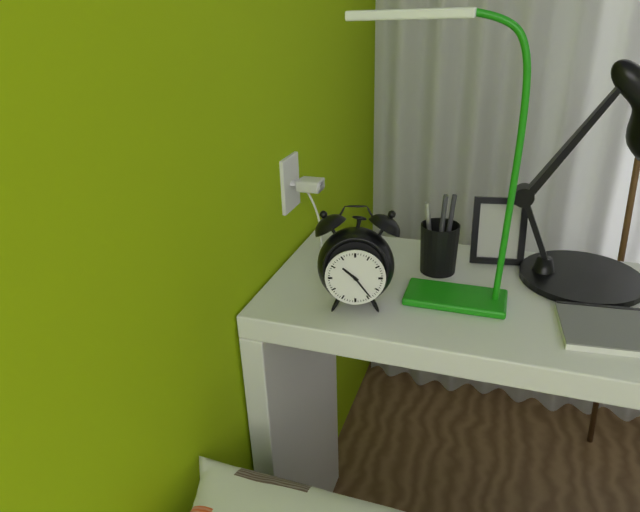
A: 10:24
